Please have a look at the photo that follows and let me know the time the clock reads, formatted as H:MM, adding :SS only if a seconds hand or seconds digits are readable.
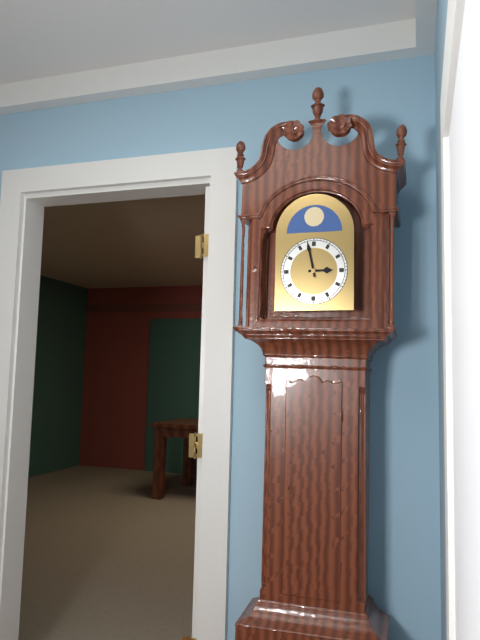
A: 2:58
